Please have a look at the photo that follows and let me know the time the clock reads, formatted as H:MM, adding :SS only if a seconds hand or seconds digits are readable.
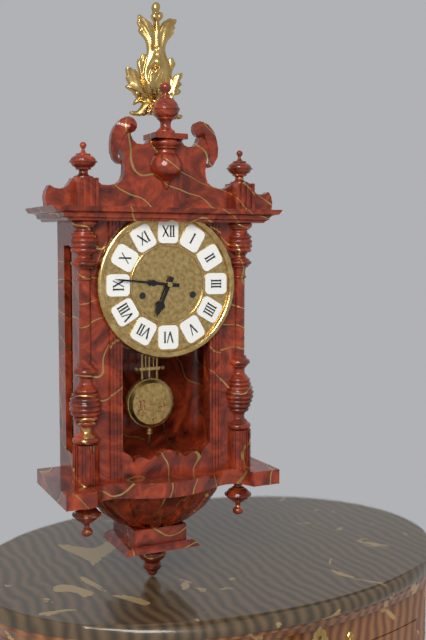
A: 6:46
